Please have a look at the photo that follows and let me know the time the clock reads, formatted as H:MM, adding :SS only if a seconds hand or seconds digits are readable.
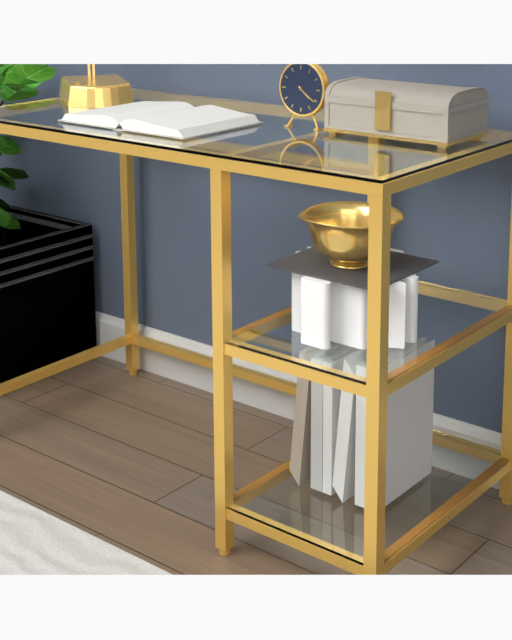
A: 4:21
